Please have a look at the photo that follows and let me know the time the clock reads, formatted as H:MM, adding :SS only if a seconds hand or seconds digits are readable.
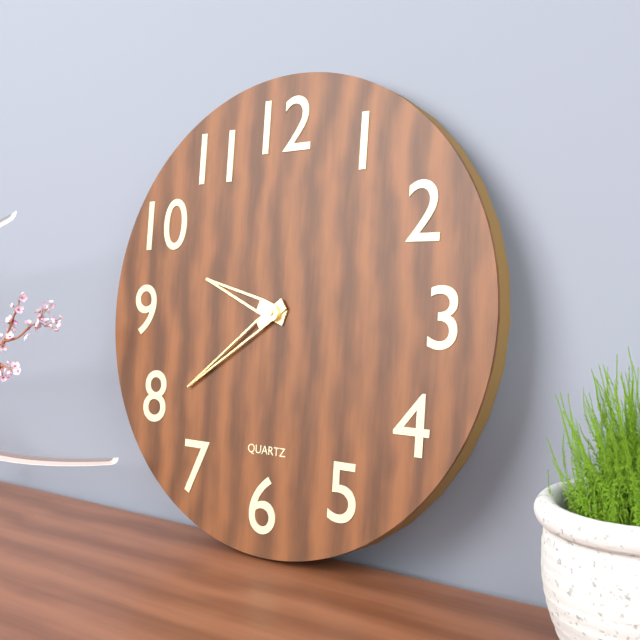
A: 9:39
